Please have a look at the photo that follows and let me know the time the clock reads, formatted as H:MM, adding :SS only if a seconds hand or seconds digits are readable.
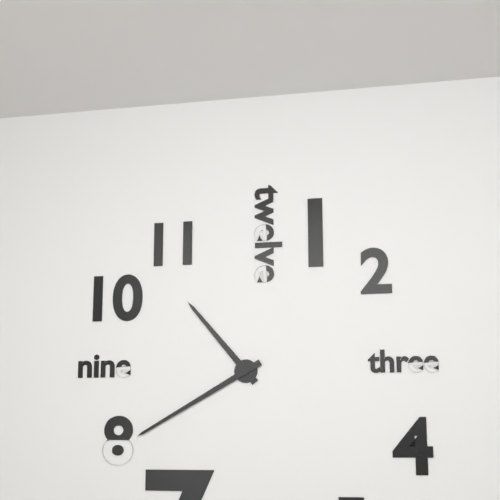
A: 10:40
